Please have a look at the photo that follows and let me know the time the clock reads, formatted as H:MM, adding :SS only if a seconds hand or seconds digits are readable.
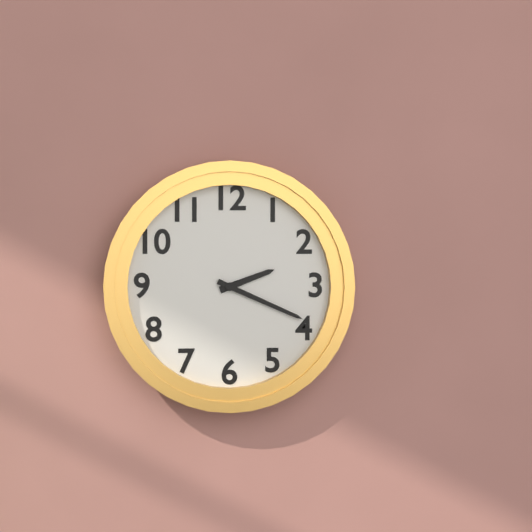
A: 2:19
